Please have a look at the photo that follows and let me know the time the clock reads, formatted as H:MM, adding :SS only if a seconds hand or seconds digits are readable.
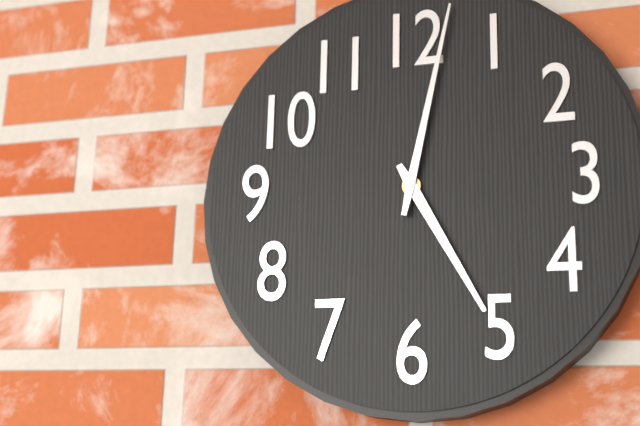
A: 5:02
